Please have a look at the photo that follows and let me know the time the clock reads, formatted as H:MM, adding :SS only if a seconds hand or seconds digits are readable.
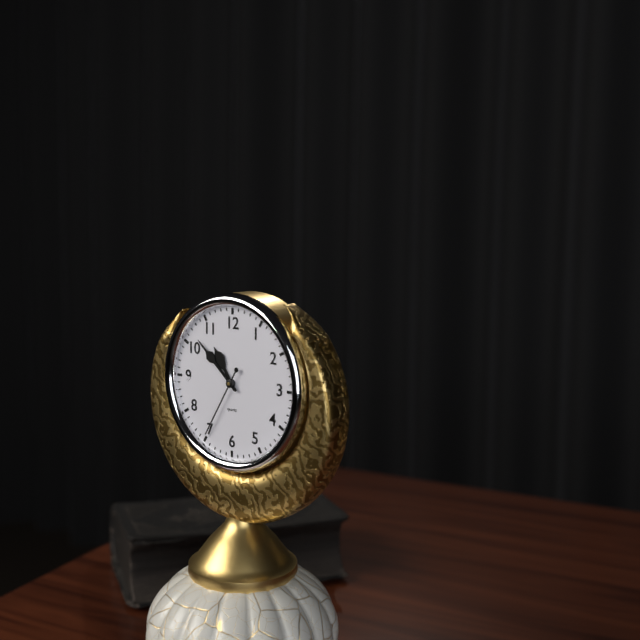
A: 10:52:35
